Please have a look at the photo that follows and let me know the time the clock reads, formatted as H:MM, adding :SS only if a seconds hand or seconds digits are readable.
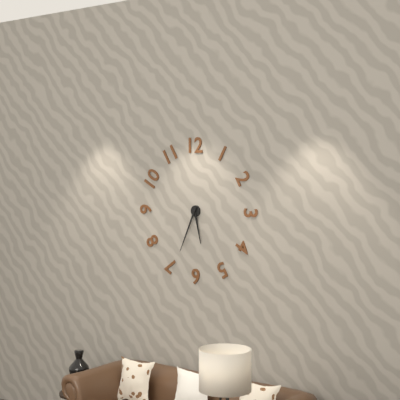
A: 5:34
